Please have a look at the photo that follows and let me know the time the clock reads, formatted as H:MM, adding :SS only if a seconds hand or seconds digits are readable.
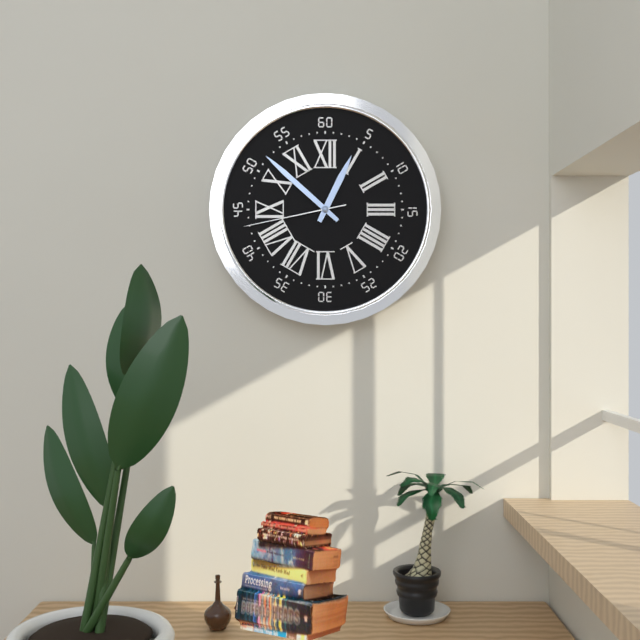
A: 12:52:43
